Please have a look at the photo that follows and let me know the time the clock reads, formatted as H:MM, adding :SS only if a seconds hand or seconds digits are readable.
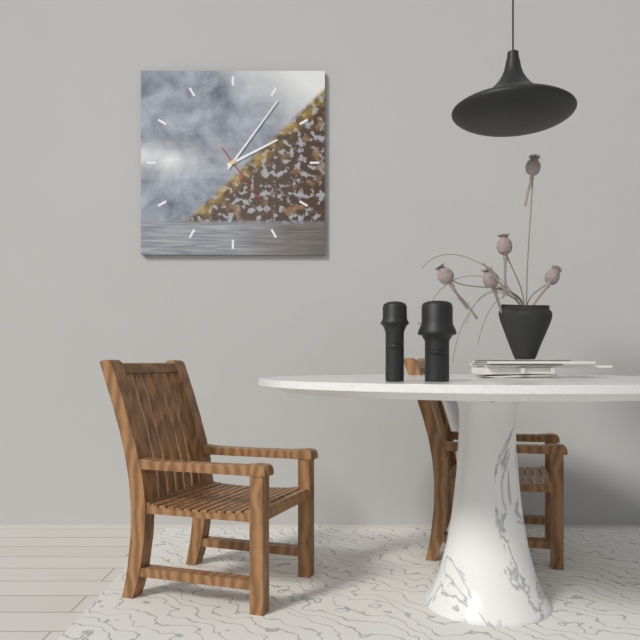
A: 2:06:24
